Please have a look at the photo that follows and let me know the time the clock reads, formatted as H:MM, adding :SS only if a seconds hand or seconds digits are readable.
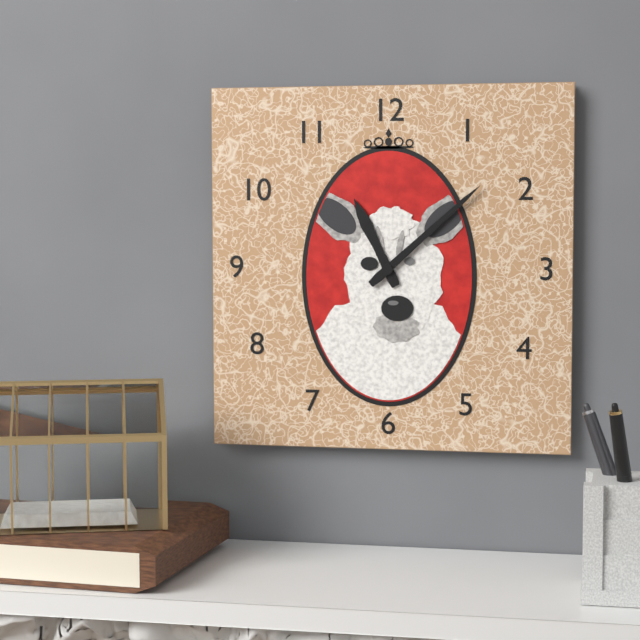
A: 11:08
